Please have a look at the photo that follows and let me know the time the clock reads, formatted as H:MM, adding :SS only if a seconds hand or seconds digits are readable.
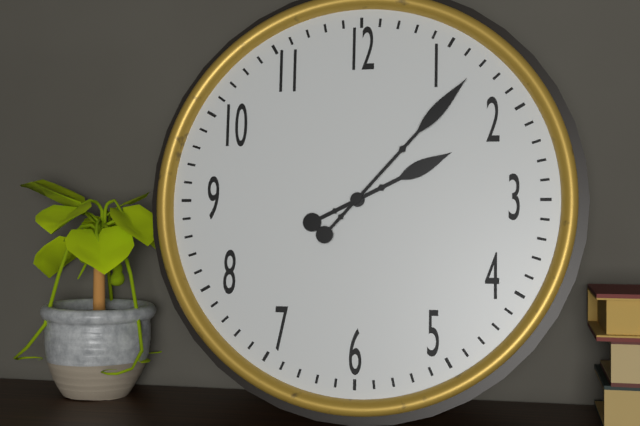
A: 2:07
